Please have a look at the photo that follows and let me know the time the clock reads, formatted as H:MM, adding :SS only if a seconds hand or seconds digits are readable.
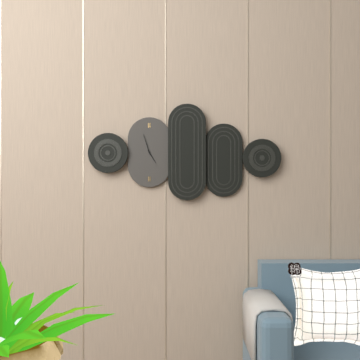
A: 4:57
